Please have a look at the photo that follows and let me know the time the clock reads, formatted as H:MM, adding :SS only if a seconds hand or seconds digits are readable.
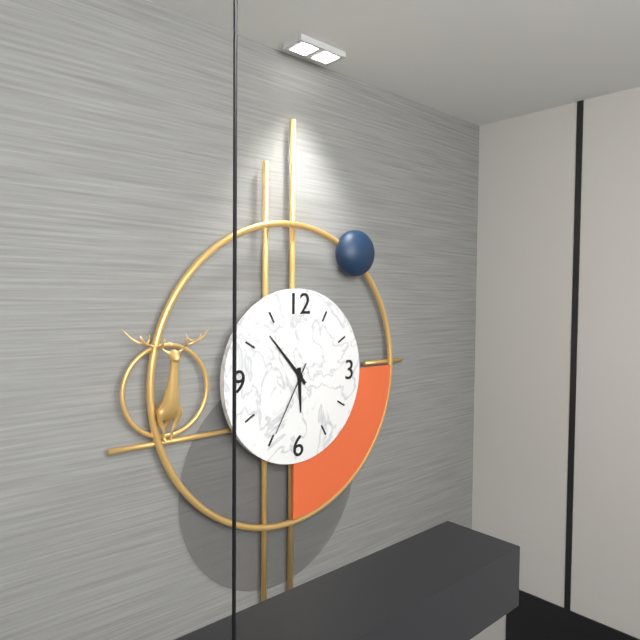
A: 5:53:35
